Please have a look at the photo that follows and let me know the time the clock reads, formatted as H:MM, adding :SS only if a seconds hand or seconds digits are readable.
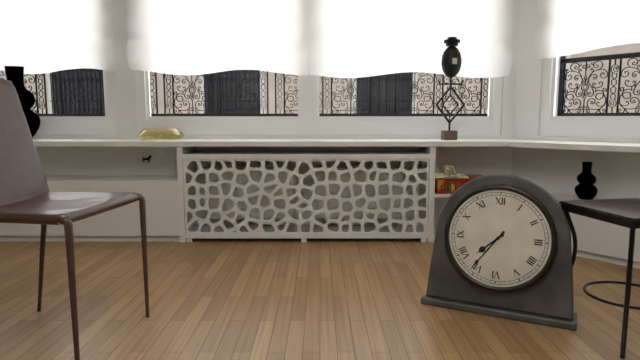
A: 7:36
